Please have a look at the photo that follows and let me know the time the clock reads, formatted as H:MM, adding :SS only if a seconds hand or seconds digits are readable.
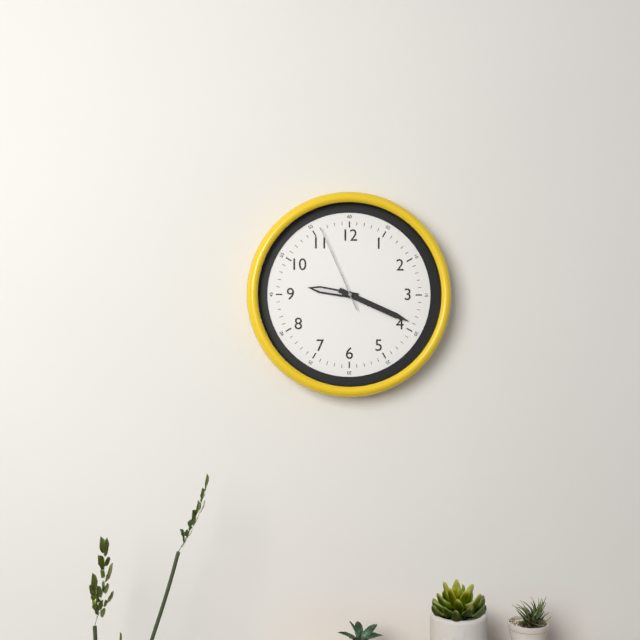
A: 9:19:56
